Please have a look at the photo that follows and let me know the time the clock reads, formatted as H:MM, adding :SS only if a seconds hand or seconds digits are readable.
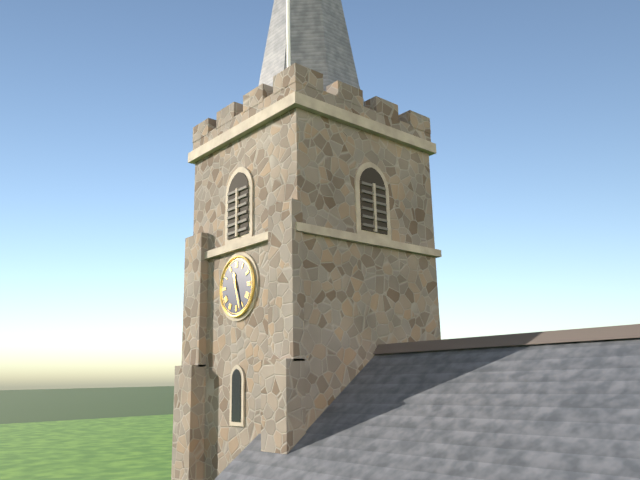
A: 11:27
